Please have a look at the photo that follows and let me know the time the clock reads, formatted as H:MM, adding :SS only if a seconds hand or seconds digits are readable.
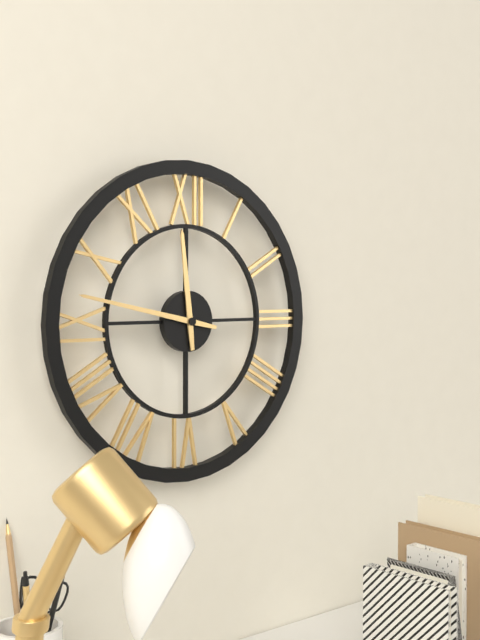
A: 11:47
